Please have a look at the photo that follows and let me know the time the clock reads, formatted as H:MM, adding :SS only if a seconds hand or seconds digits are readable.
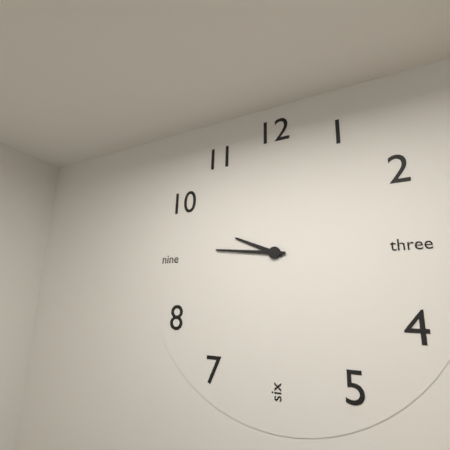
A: 9:46
